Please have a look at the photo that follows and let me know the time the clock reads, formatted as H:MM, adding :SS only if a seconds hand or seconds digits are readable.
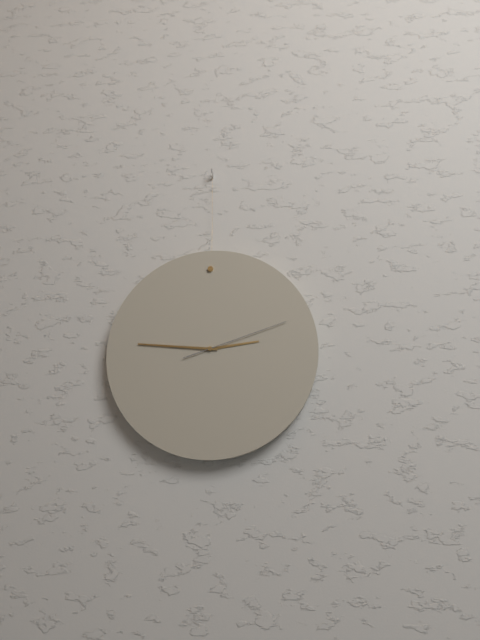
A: 2:46:12
